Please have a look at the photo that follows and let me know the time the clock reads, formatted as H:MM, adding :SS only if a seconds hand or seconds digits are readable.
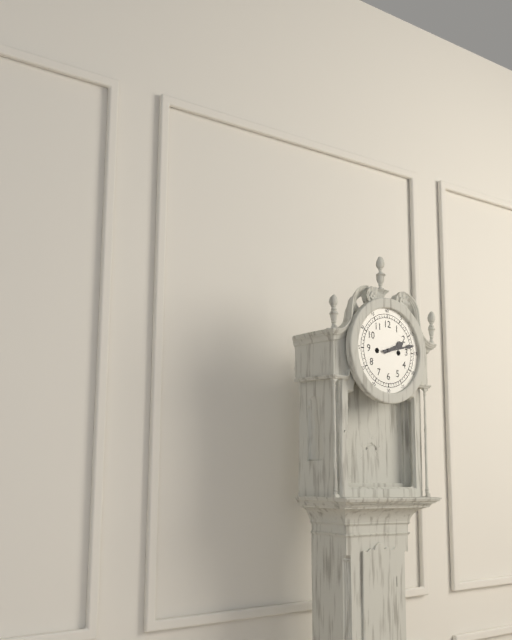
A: 2:13
